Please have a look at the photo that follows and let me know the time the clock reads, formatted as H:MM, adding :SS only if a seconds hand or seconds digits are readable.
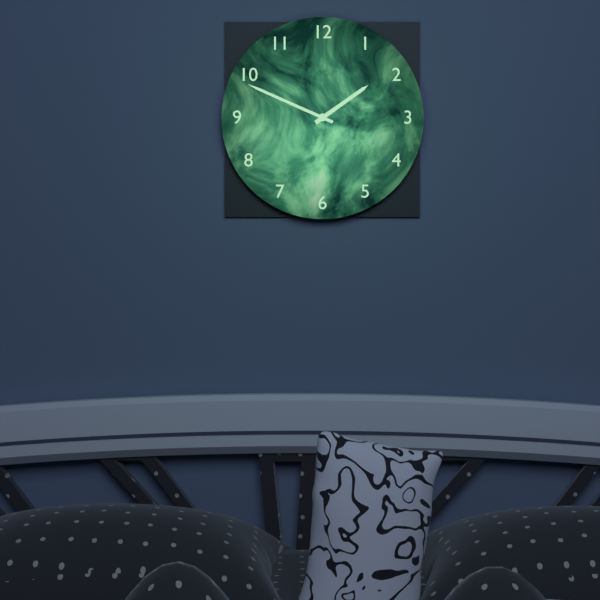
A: 1:49
